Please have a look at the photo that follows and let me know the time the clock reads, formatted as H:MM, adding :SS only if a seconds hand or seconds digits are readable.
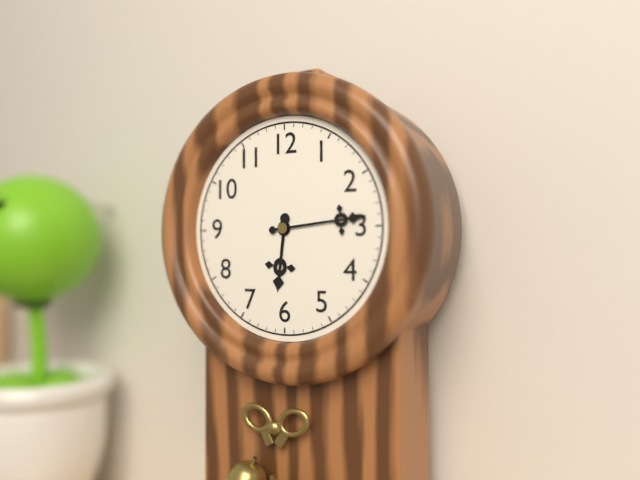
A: 6:14
